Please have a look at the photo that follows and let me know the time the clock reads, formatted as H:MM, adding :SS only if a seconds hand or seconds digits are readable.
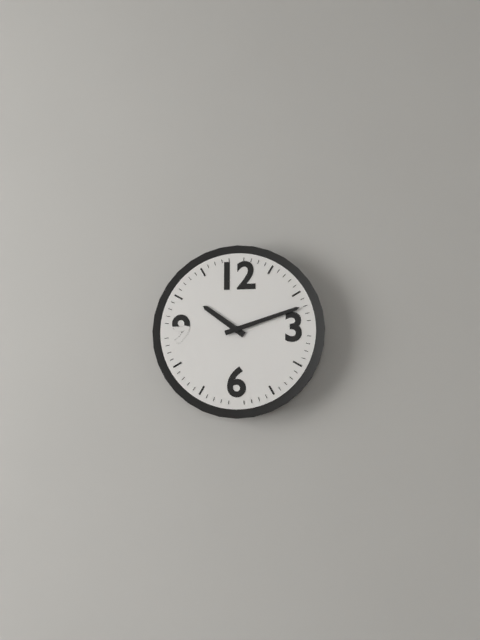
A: 10:12
